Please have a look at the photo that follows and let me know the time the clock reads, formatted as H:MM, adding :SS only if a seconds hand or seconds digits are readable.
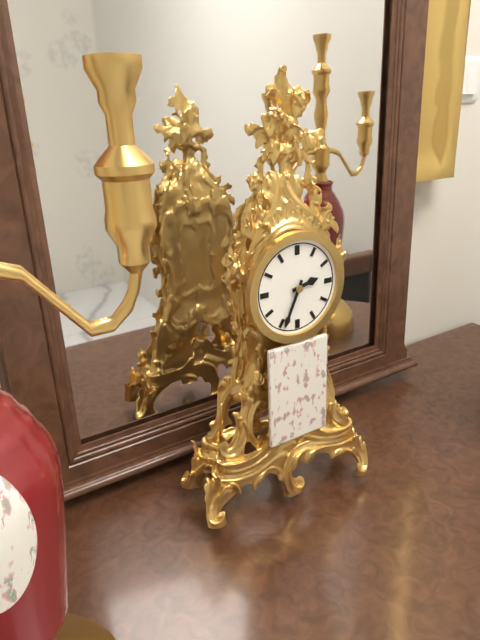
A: 2:34
